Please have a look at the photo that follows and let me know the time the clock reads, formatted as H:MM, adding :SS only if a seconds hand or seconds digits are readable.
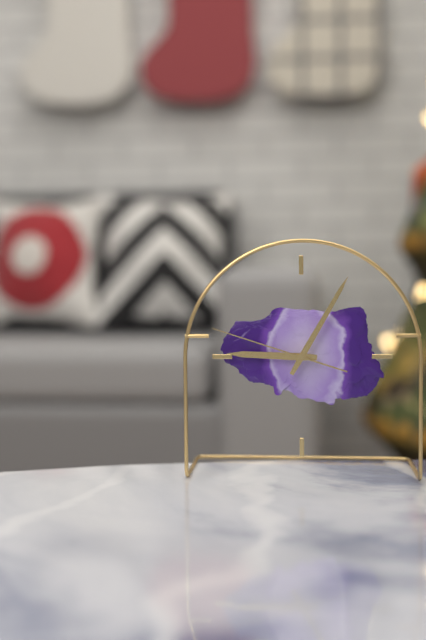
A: 9:05:48
